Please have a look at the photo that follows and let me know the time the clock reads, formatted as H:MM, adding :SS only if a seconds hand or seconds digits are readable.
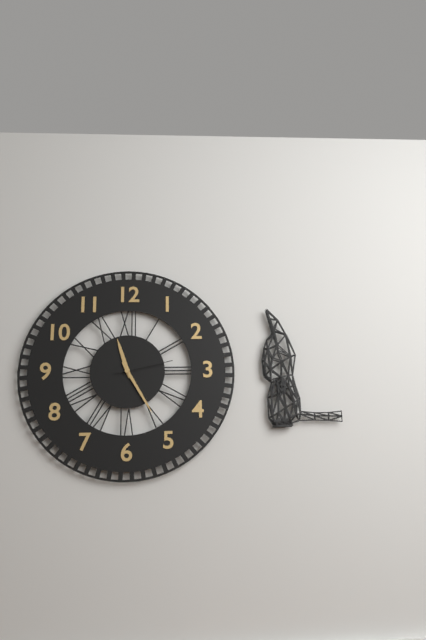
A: 11:25:13
